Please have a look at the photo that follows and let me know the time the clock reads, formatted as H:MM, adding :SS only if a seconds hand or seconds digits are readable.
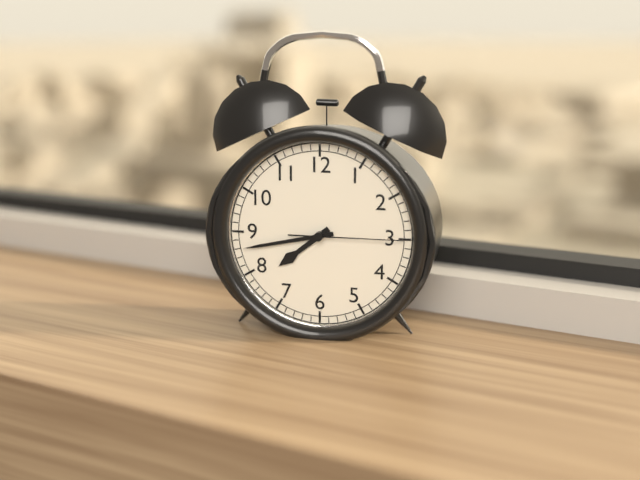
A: 7:43:15
